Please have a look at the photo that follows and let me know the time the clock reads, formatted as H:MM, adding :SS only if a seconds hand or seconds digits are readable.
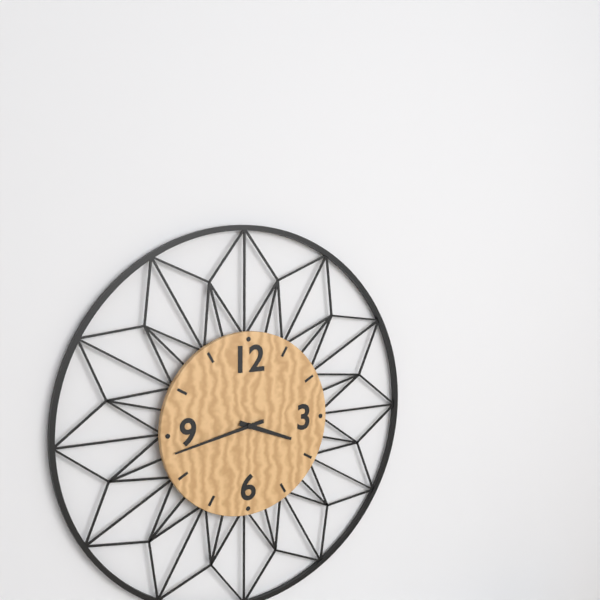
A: 3:43
